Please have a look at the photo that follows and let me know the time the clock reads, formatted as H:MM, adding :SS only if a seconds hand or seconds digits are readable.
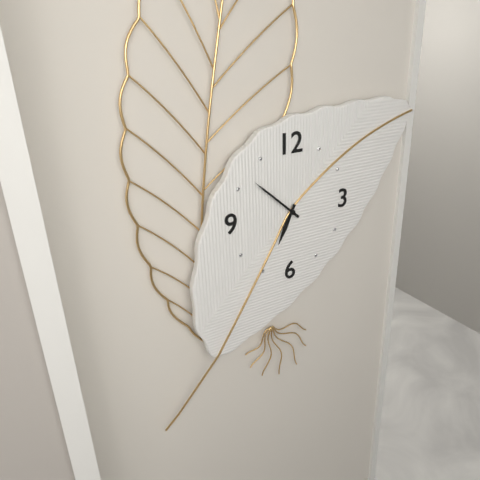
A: 6:52
